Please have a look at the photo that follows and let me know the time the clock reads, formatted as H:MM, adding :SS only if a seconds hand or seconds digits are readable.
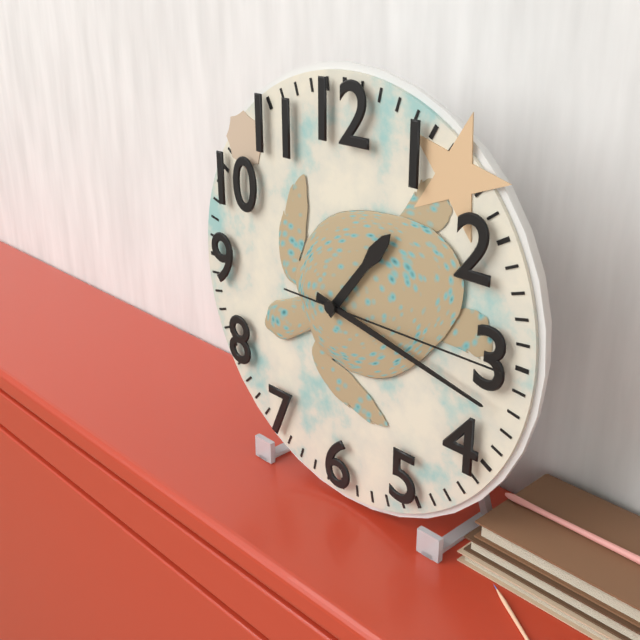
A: 1:17:15
